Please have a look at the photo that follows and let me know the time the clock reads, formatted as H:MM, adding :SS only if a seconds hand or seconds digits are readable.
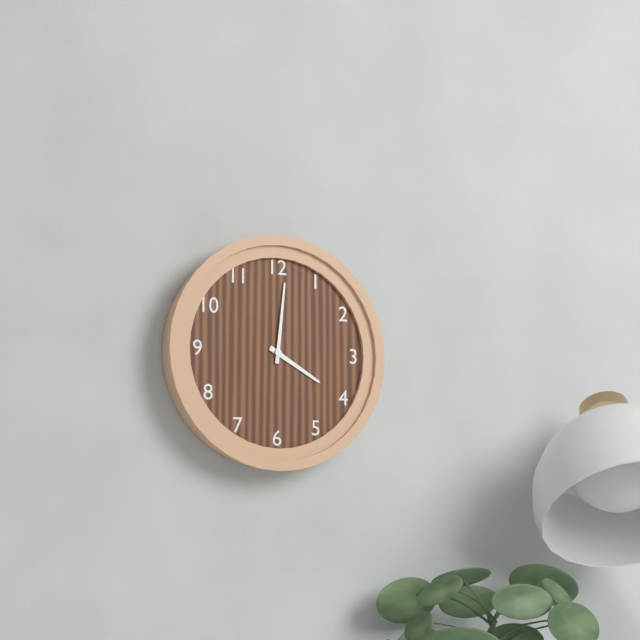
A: 4:01
